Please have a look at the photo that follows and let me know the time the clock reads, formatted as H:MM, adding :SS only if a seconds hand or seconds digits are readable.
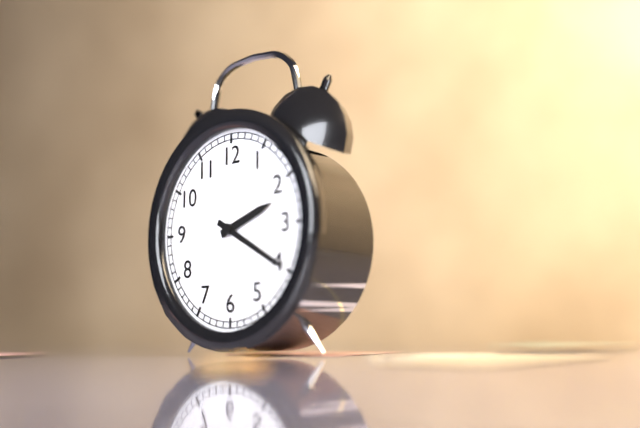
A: 2:20
